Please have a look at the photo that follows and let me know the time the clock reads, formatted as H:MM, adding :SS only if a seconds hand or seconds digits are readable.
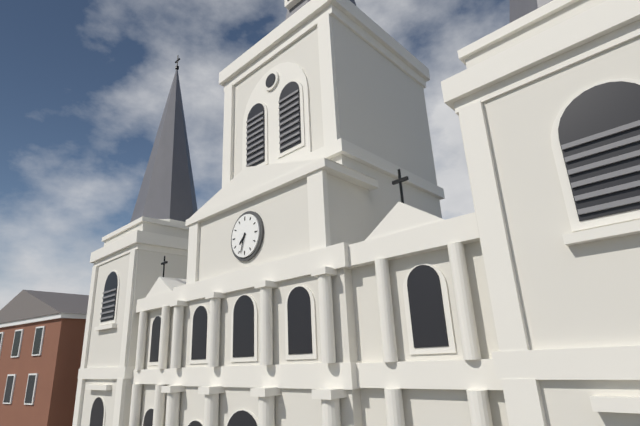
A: 7:33
